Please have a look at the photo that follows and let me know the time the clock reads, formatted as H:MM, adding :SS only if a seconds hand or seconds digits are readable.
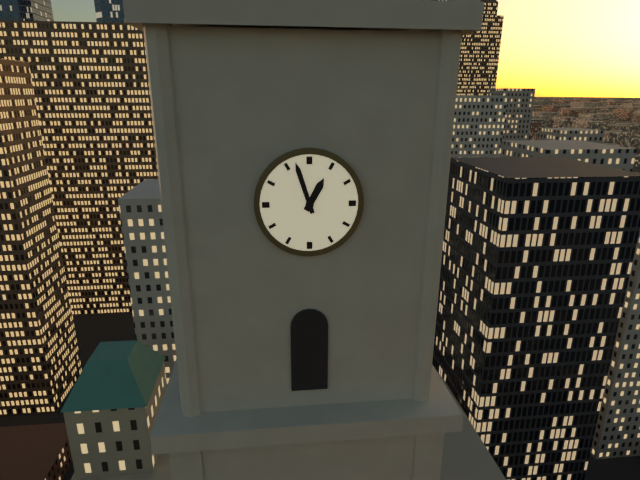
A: 12:57
